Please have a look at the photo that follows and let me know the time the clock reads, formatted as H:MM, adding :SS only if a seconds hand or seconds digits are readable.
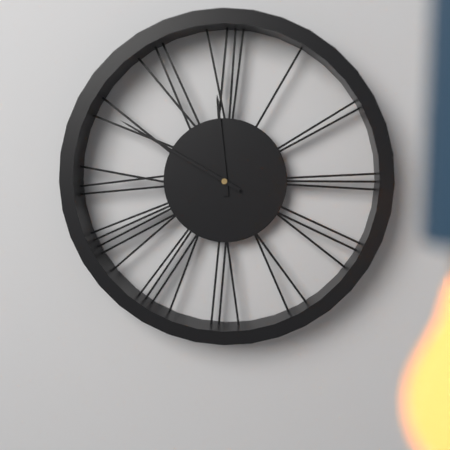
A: 11:50
